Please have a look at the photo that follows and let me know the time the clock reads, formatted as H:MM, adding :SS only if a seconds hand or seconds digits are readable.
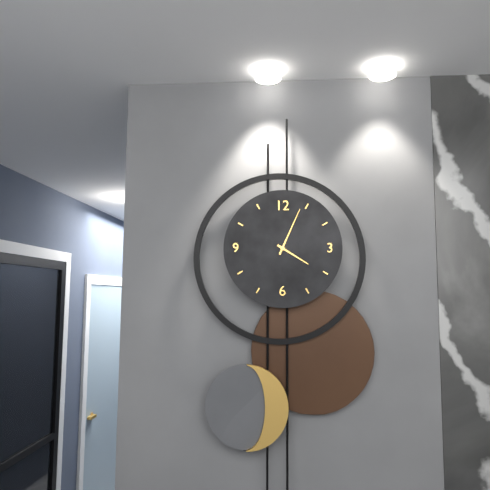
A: 4:04
